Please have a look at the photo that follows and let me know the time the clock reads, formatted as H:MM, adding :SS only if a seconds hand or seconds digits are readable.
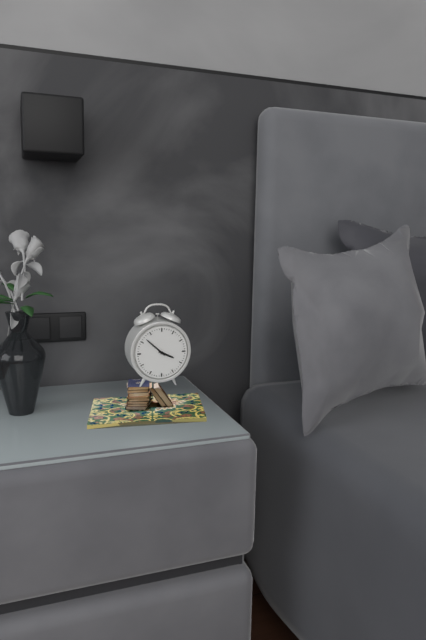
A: 3:52
